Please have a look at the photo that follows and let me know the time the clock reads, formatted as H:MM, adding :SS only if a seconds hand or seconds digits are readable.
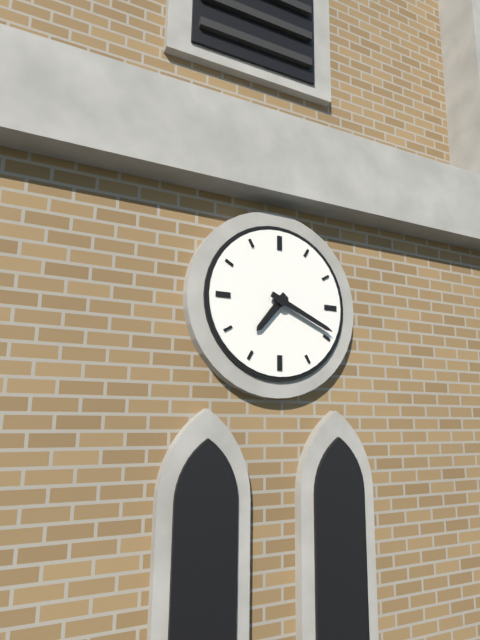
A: 7:19
